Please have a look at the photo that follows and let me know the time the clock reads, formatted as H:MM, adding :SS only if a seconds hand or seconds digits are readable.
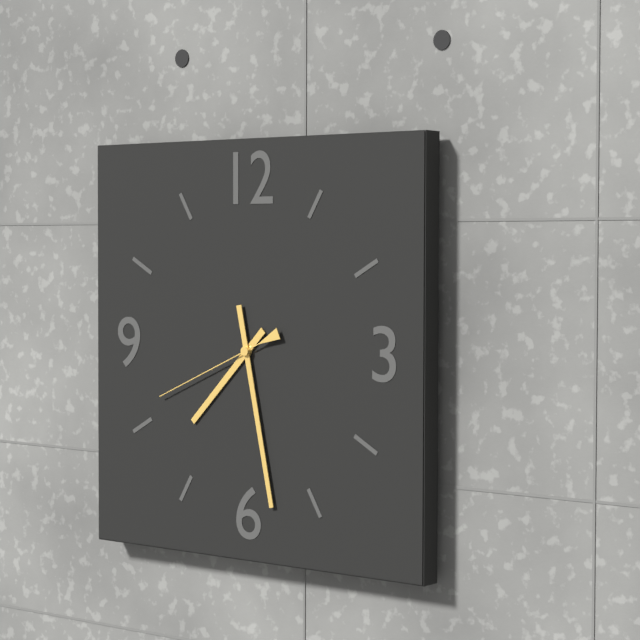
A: 7:28:41
